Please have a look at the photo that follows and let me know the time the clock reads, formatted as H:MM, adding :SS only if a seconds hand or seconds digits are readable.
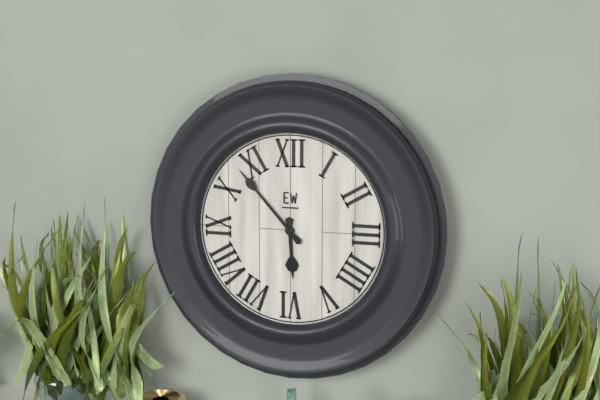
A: 5:53
